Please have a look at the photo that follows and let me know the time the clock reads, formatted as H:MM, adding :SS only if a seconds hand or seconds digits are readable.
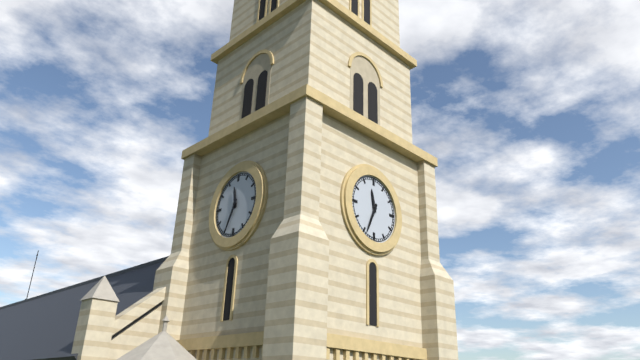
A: 11:34
